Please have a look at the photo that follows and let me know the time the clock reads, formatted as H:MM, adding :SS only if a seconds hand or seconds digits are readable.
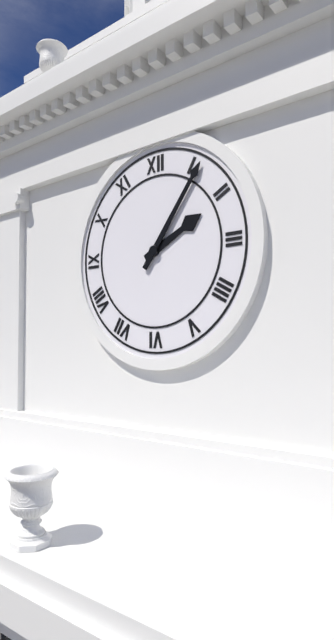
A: 2:06
